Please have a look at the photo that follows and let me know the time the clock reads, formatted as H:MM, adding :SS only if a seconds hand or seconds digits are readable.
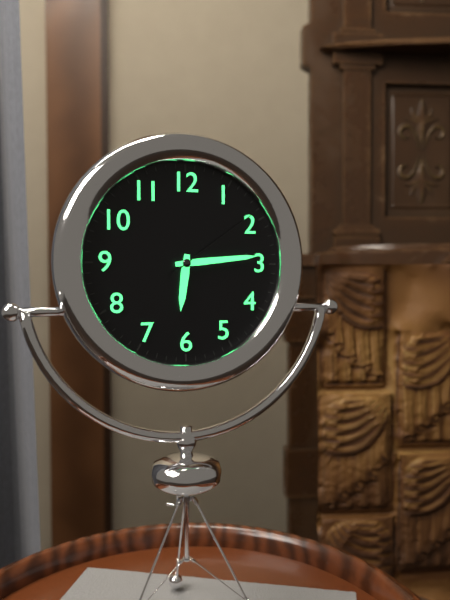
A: 6:14:09
